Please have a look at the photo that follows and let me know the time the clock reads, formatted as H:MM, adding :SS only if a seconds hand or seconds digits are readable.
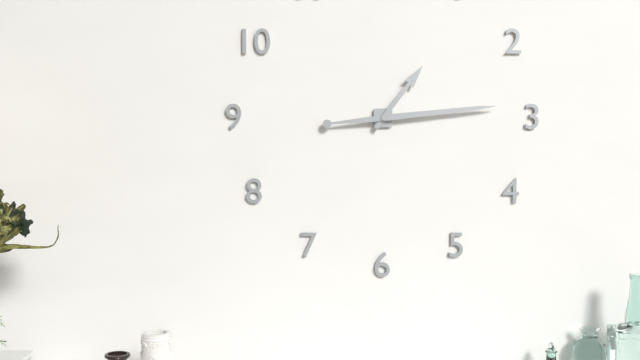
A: 1:14
